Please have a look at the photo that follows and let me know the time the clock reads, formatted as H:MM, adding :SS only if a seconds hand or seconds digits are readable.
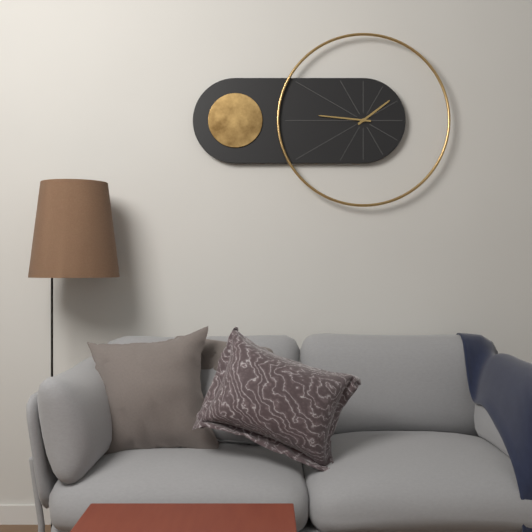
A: 1:46
